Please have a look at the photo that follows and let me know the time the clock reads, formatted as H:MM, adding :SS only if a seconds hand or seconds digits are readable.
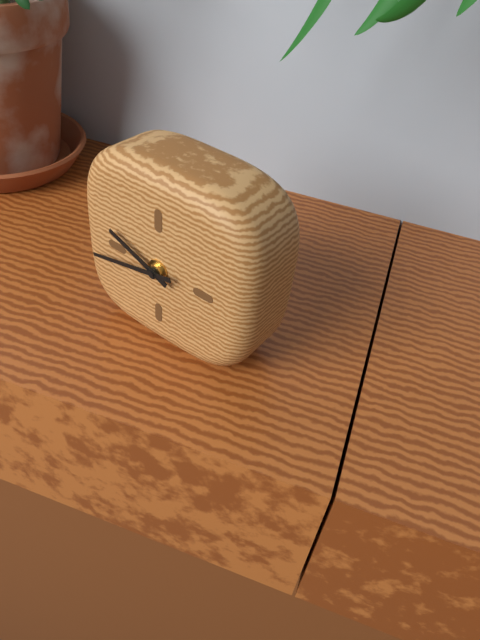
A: 9:43
